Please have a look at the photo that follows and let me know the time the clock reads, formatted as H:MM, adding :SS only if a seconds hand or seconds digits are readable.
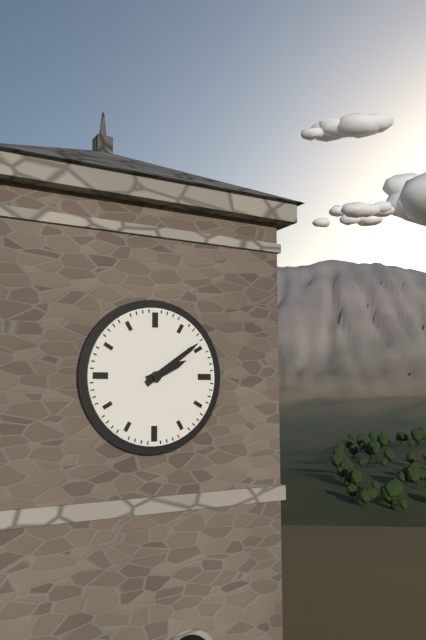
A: 2:09
